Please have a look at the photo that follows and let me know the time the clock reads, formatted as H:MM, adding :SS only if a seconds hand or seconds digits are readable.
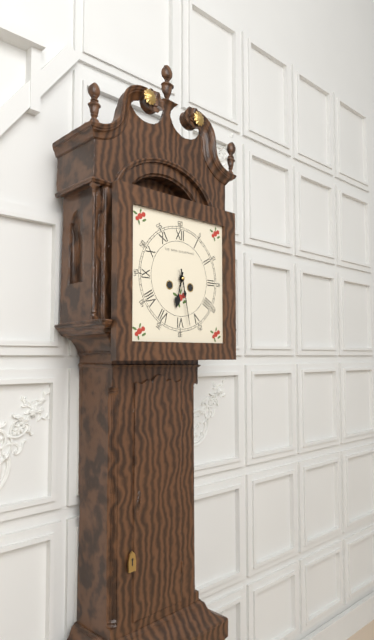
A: 6:28
